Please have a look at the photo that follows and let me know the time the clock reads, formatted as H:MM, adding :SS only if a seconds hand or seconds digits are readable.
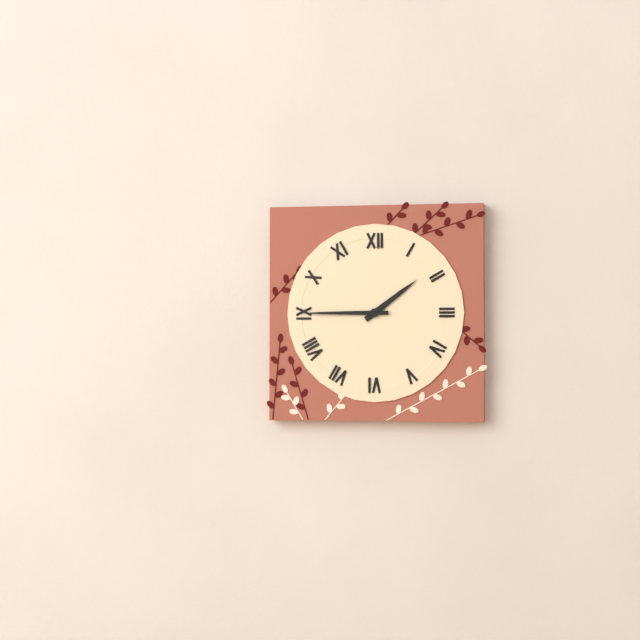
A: 1:45
